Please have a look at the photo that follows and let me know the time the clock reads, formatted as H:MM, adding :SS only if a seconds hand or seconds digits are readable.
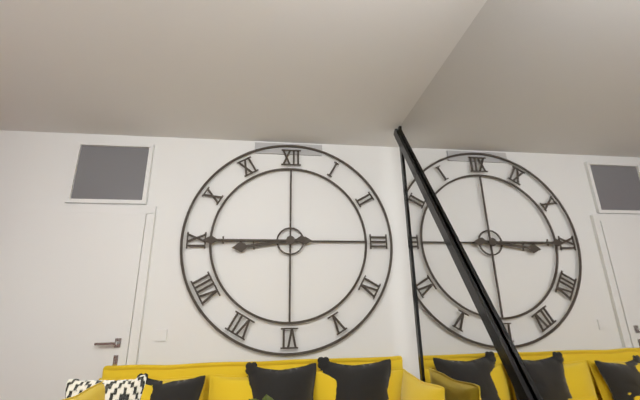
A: 8:45
